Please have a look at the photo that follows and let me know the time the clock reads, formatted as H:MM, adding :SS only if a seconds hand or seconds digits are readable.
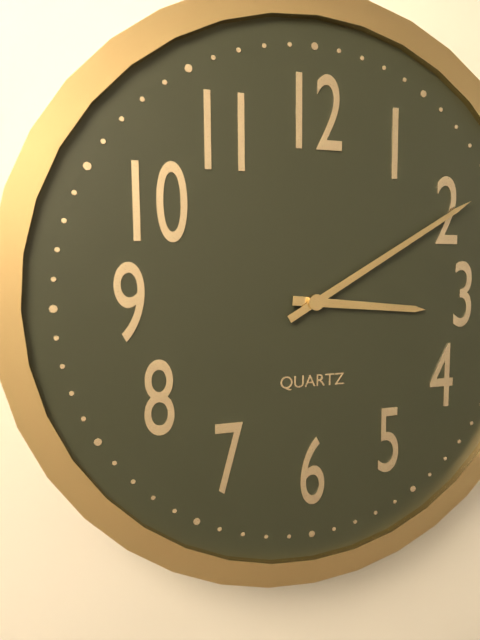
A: 3:10
